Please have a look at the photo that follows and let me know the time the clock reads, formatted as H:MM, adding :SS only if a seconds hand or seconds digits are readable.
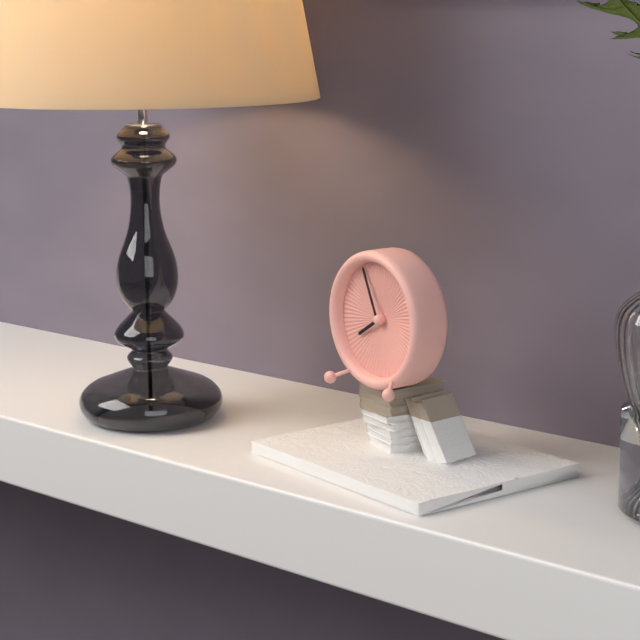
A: 7:56
